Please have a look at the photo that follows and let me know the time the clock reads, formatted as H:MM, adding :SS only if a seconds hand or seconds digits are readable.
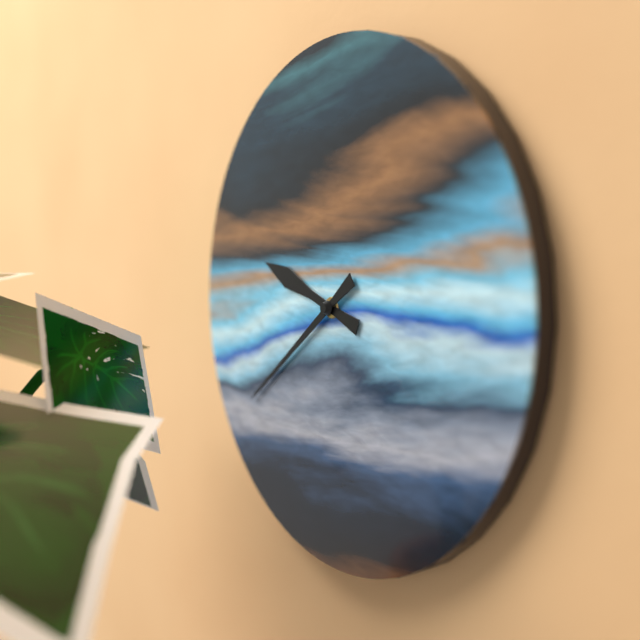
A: 9:39
